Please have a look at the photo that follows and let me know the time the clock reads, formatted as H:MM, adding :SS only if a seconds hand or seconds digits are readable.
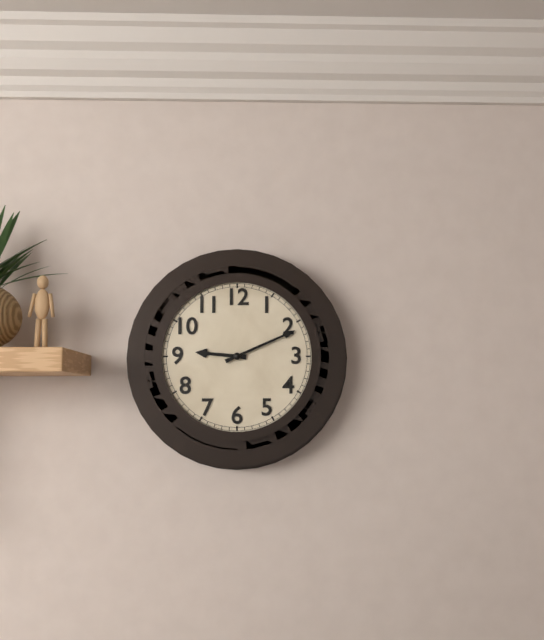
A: 9:11
